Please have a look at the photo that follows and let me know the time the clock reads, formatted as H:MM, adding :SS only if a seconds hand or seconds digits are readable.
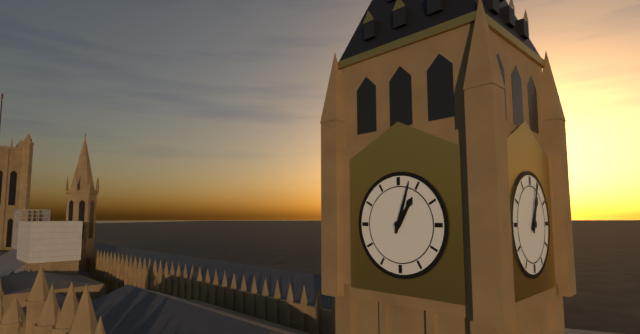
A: 1:03
